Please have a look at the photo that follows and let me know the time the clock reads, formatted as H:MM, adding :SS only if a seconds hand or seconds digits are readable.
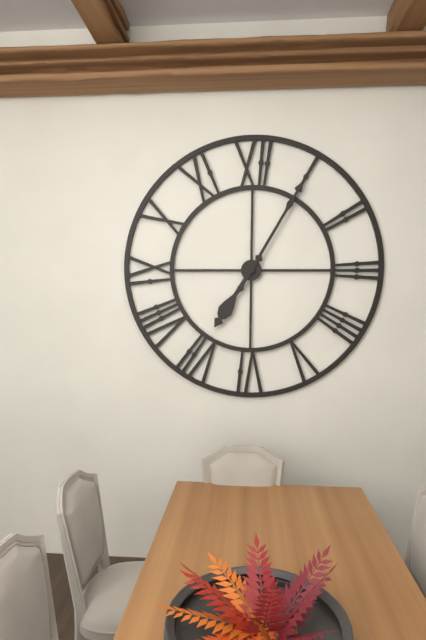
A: 7:05
